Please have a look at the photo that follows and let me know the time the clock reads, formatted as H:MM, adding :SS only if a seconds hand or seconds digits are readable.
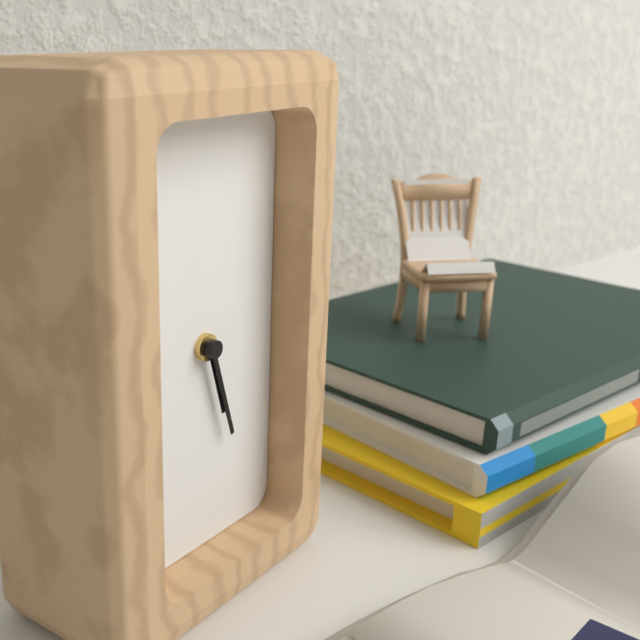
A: 5:27
